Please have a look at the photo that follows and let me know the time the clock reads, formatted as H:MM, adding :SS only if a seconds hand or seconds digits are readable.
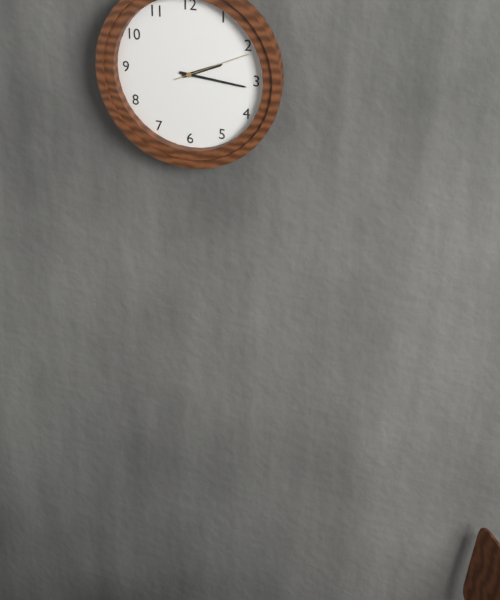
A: 2:16:11
